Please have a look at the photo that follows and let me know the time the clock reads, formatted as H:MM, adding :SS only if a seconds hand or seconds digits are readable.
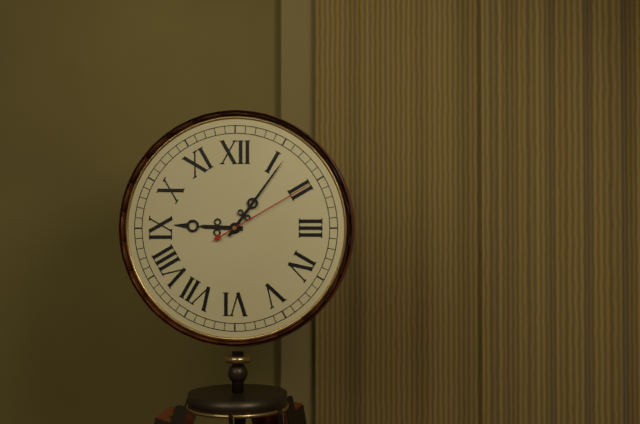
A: 9:06:10
